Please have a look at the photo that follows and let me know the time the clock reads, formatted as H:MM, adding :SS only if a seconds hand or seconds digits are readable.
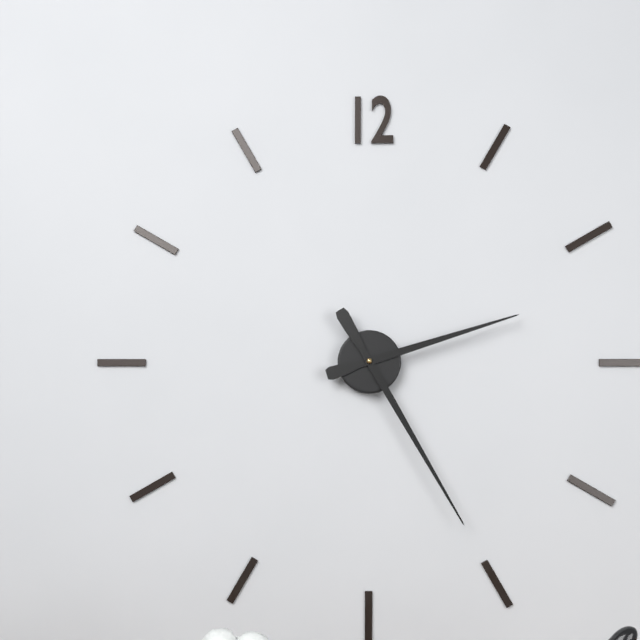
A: 2:25
